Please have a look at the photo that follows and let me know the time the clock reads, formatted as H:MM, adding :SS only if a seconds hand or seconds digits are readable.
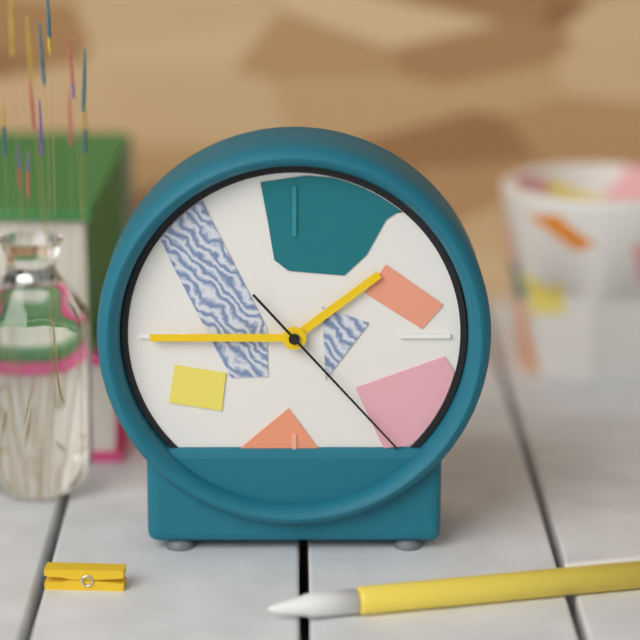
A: 1:45:23
